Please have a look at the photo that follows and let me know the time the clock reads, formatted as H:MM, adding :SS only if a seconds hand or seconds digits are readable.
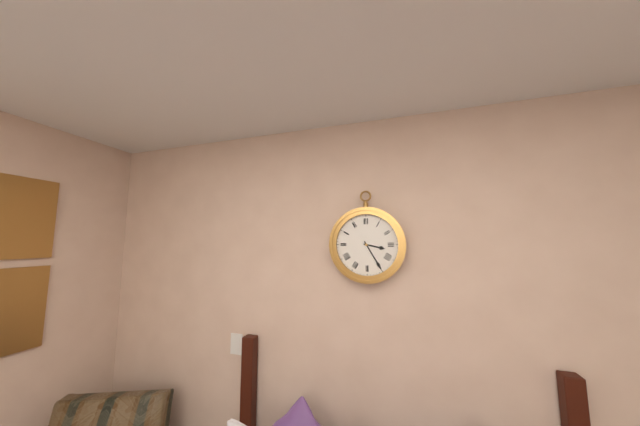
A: 3:25
